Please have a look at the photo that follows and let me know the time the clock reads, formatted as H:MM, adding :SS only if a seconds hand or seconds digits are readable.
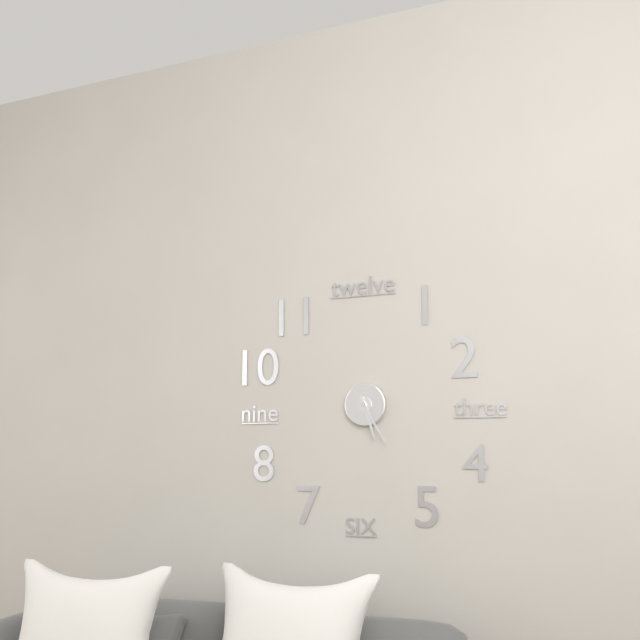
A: 5:25
